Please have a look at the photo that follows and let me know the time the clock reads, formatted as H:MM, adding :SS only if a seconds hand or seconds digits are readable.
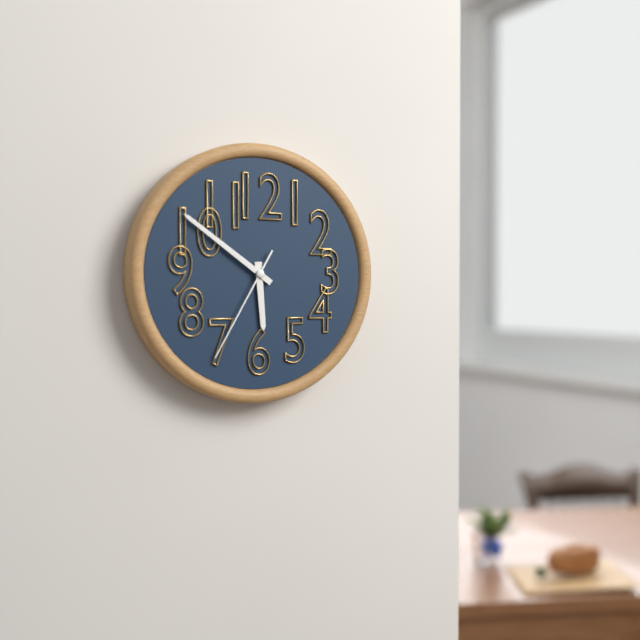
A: 5:51:35
